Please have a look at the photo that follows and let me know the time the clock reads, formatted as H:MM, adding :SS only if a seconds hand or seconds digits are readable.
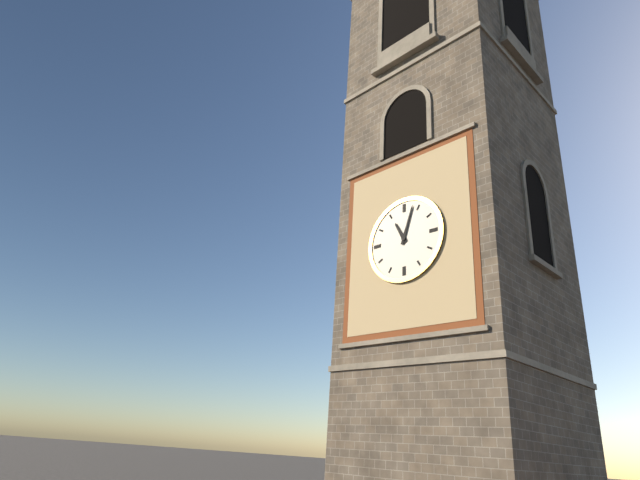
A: 11:03
